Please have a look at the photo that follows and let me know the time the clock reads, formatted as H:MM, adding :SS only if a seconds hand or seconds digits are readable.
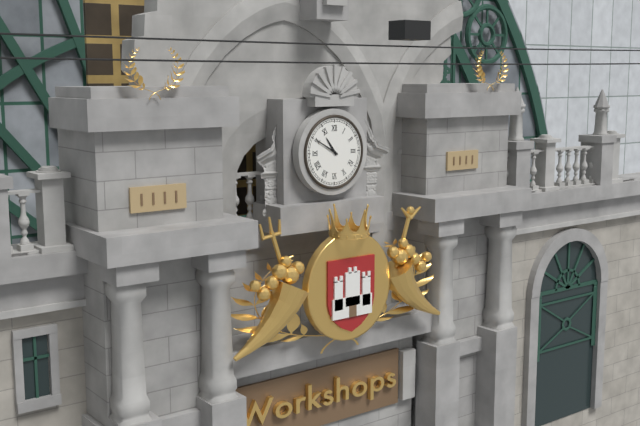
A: 10:50
